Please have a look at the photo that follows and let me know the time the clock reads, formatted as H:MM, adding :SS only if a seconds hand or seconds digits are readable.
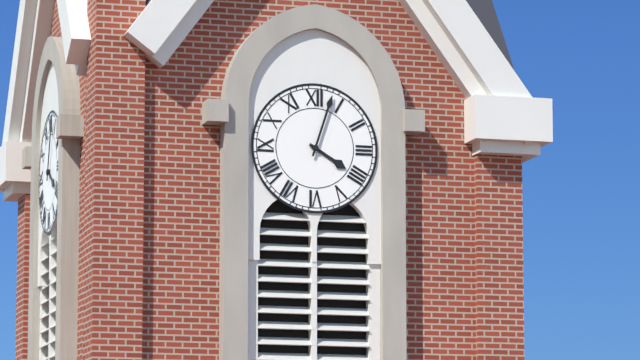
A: 4:03
